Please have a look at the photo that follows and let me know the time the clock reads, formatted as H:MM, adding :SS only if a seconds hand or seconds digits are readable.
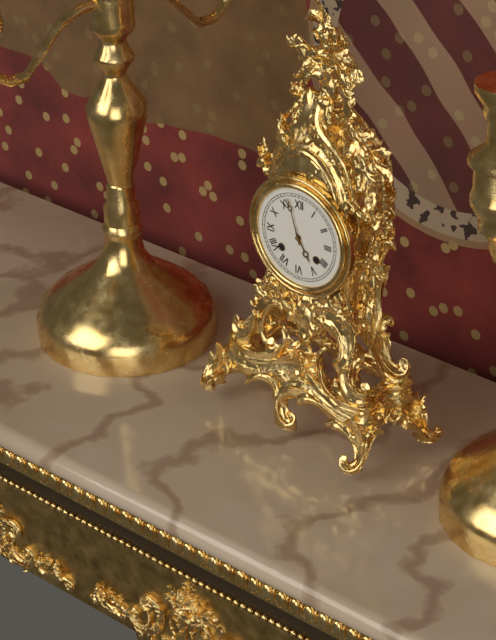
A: 4:57
